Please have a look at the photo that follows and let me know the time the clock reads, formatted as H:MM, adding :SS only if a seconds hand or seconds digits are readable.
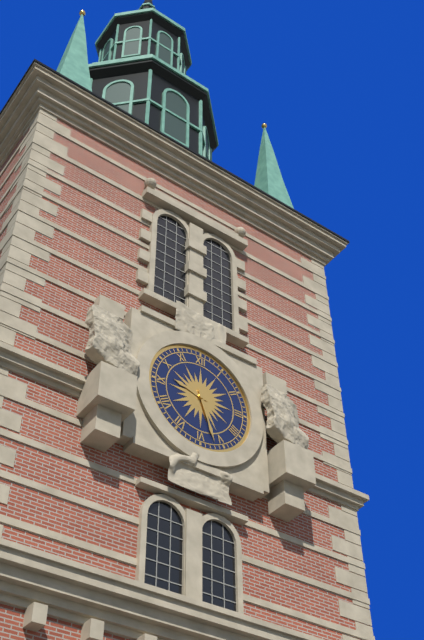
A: 9:27
